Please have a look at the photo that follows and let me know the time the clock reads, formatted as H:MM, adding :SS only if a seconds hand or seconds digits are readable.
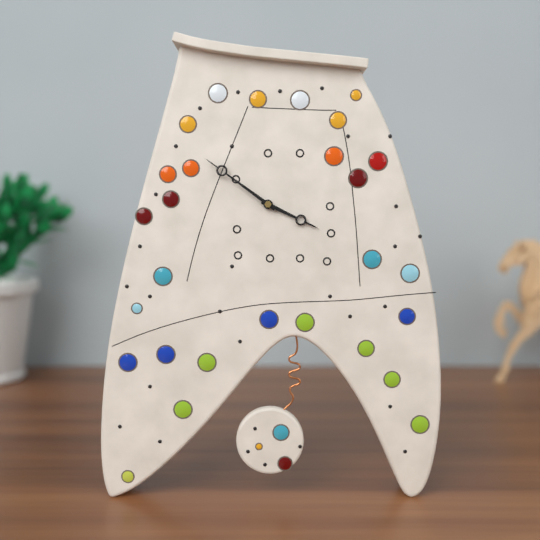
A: 3:51
